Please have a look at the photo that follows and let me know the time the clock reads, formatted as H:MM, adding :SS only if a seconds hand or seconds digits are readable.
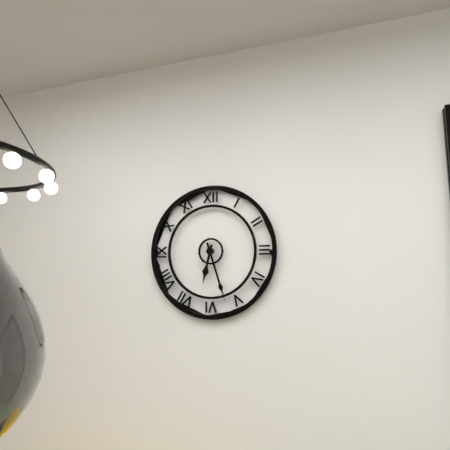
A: 6:27
